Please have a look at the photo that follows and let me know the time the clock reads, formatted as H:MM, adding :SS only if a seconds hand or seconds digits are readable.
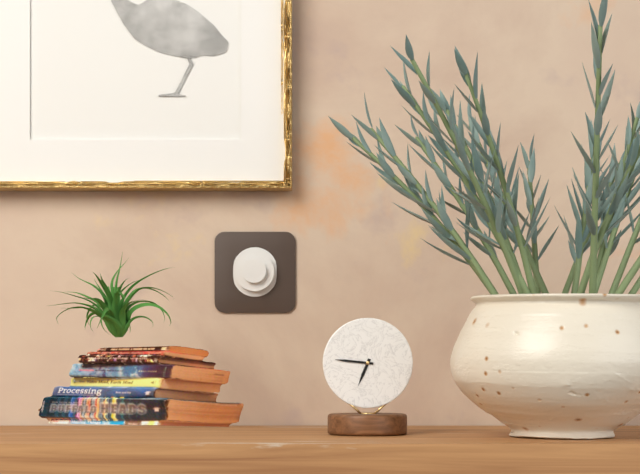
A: 6:46
